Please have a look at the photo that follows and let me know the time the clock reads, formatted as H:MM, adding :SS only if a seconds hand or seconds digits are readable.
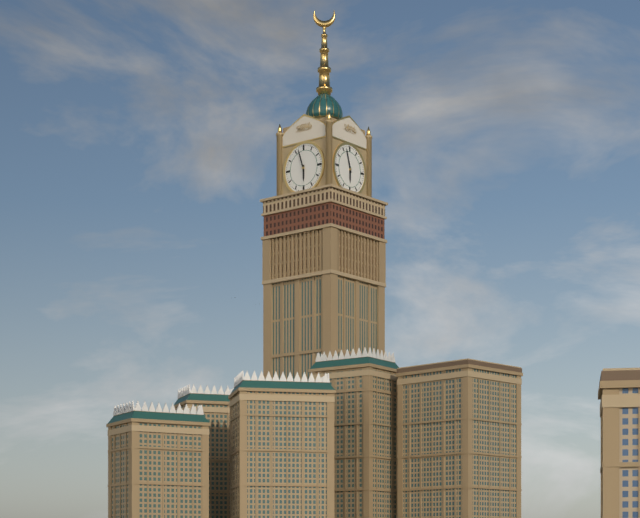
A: 5:57
